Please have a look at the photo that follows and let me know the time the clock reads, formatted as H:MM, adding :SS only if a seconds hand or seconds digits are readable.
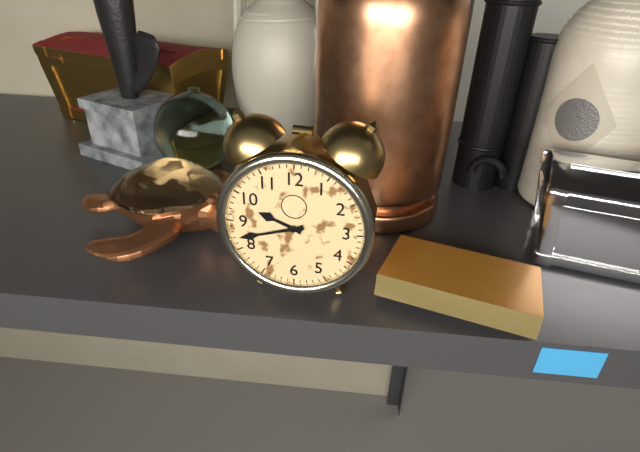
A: 9:42
